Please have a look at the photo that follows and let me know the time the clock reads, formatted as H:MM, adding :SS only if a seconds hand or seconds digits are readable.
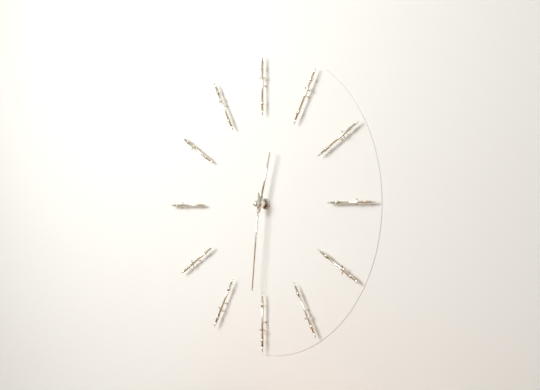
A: 12:31
